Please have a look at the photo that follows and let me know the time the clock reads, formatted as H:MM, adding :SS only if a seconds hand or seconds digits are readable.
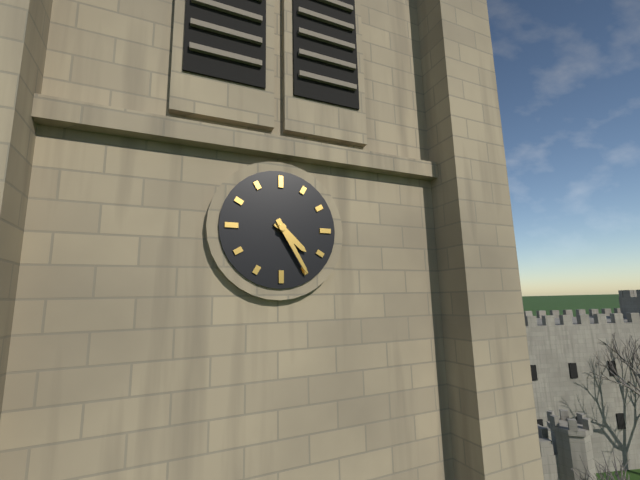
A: 4:25
